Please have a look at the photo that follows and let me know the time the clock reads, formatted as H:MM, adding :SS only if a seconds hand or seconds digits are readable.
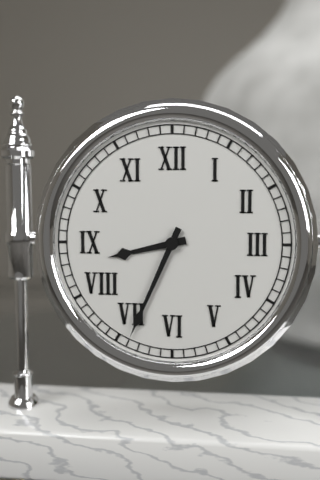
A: 8:34
